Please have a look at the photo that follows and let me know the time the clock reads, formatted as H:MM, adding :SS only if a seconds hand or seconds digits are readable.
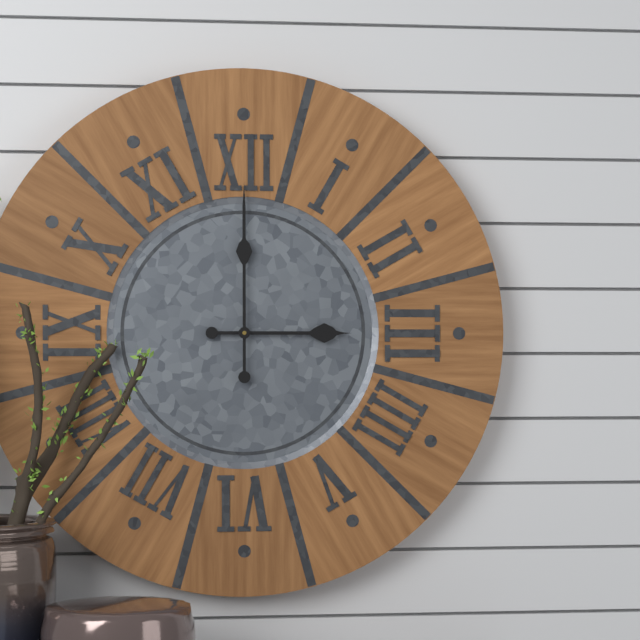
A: 3:00
